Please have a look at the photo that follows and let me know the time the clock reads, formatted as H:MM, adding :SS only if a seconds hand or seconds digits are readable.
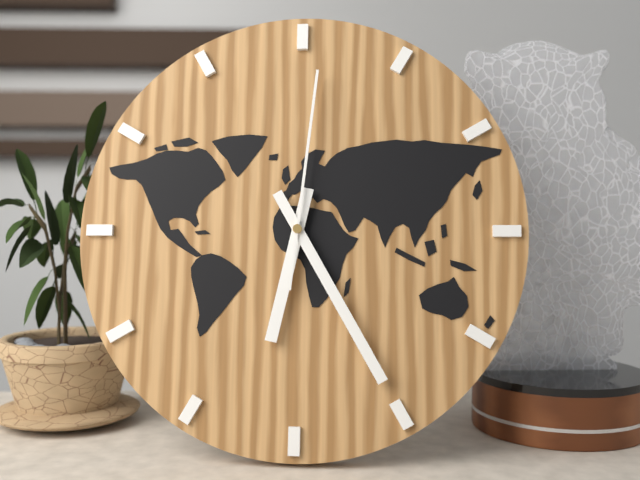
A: 6:25:01
